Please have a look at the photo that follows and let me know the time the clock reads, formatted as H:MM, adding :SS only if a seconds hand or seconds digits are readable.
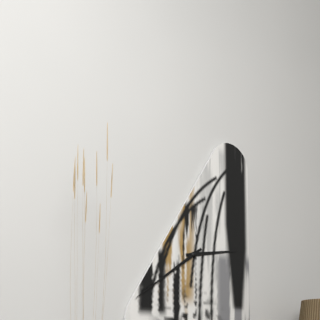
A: 2:39
